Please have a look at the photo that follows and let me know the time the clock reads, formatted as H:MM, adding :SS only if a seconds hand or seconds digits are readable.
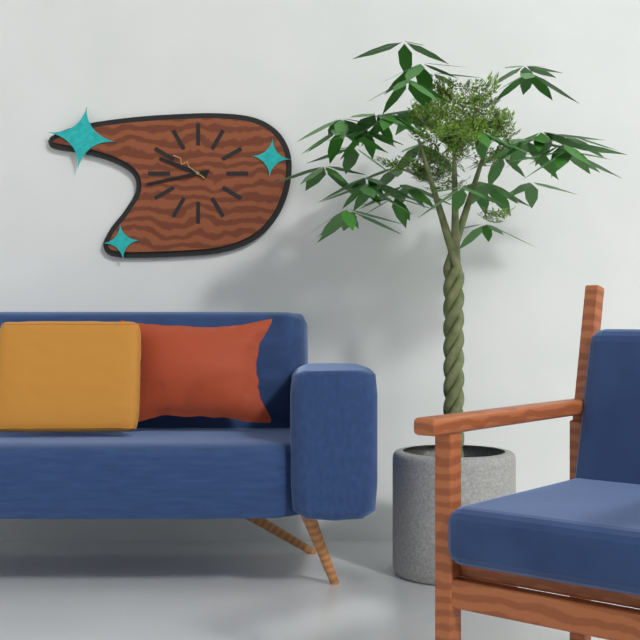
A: 9:43
